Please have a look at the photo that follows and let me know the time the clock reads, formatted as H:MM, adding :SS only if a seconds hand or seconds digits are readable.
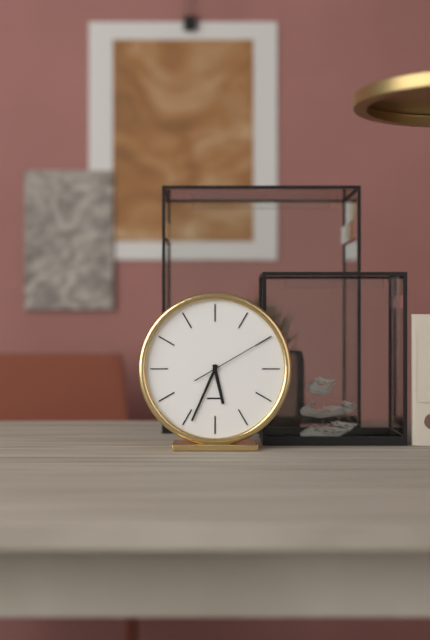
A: 5:34:10
